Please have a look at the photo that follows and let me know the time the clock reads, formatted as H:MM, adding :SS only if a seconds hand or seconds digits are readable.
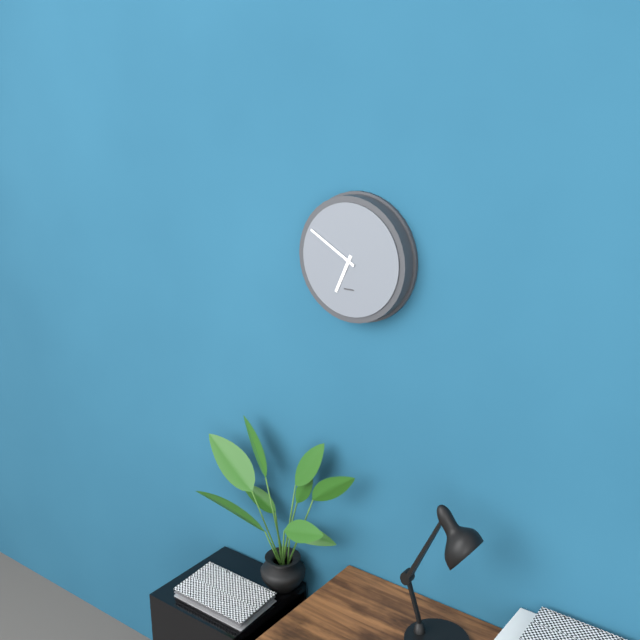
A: 6:50
